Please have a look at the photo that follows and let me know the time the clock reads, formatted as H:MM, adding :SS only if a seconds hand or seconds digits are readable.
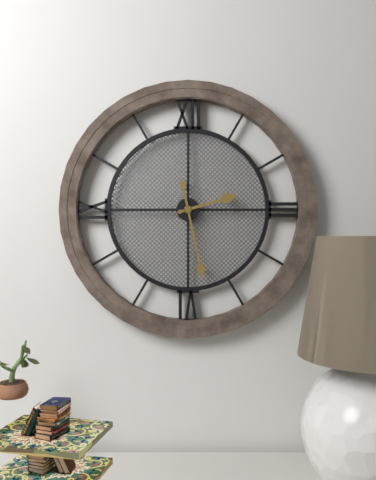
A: 2:28
